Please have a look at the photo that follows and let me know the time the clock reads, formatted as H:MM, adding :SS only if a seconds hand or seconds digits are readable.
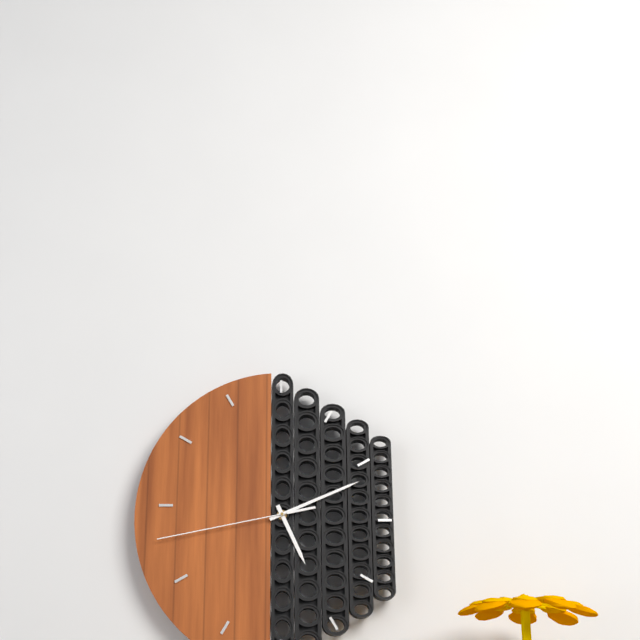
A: 5:11:43
